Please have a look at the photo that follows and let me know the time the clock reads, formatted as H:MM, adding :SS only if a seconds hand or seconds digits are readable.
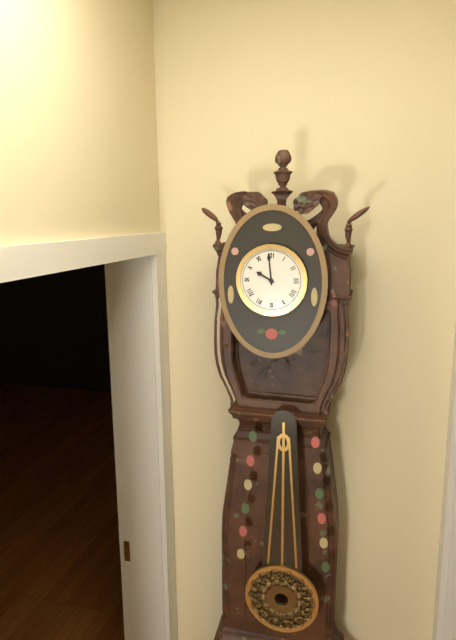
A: 9:59
